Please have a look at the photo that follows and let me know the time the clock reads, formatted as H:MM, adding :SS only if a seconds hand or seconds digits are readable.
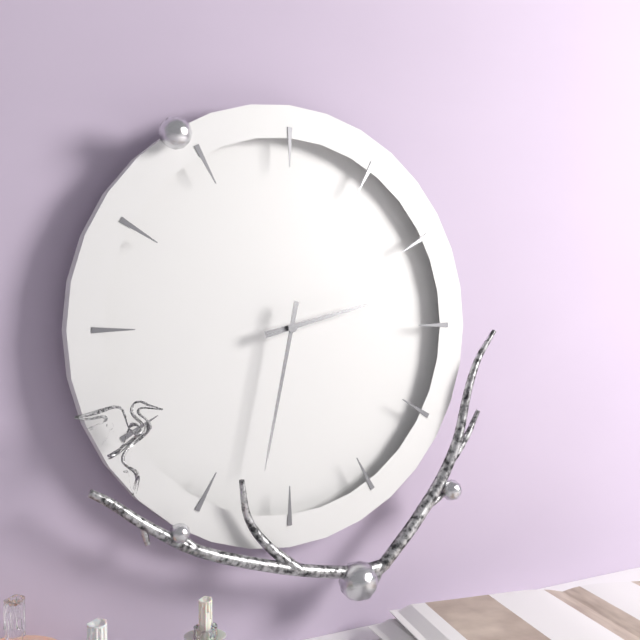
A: 2:32
